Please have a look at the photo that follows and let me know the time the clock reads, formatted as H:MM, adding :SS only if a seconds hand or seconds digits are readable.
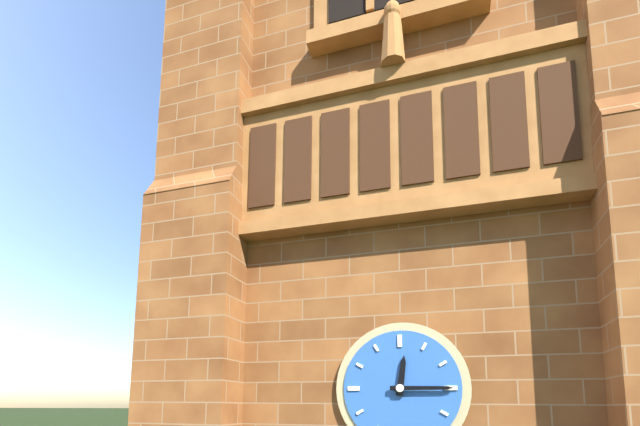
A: 12:15
